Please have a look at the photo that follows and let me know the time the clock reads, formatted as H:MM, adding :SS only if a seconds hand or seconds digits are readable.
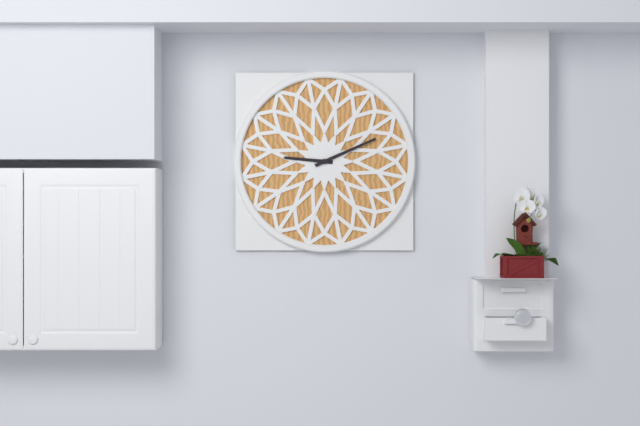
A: 9:11
